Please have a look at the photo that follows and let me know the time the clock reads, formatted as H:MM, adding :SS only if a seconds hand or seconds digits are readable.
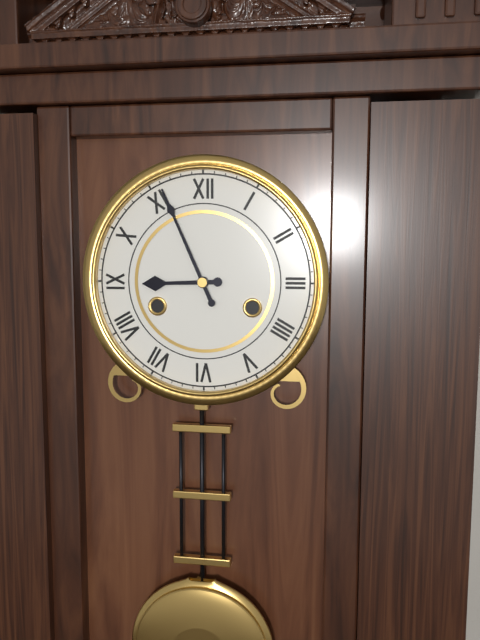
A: 8:56
